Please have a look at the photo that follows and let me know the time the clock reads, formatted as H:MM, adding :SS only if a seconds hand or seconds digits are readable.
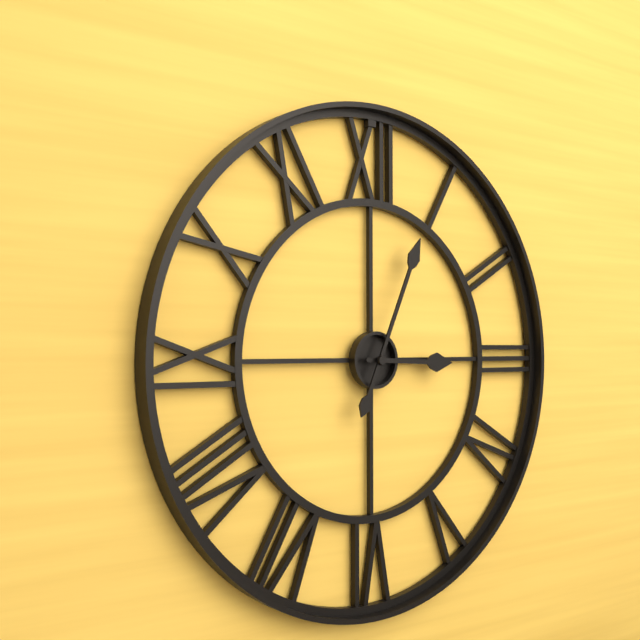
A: 3:04
